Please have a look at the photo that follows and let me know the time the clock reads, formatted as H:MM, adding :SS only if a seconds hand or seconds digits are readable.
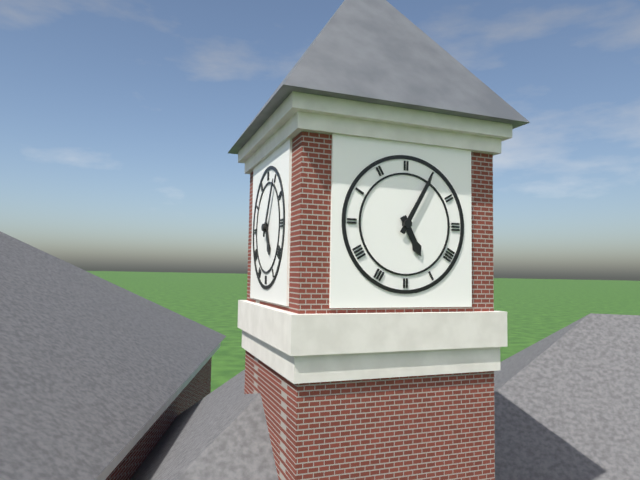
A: 5:05
